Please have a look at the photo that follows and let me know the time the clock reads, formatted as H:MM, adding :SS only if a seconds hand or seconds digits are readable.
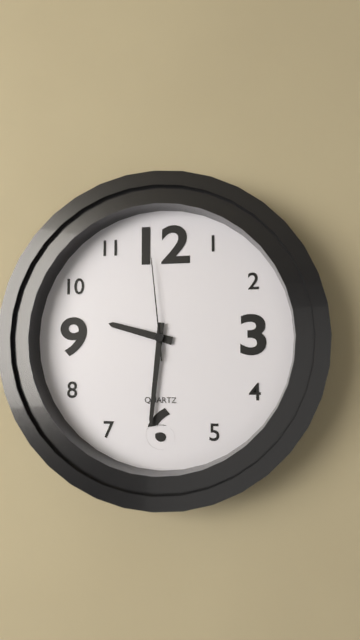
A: 9:31:59
